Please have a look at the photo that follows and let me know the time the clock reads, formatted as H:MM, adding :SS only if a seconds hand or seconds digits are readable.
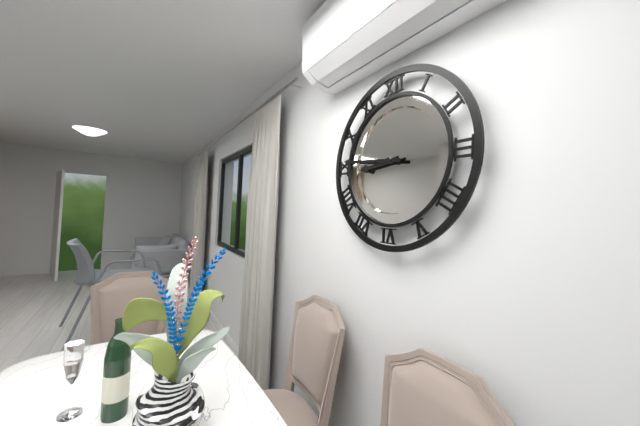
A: 8:46
